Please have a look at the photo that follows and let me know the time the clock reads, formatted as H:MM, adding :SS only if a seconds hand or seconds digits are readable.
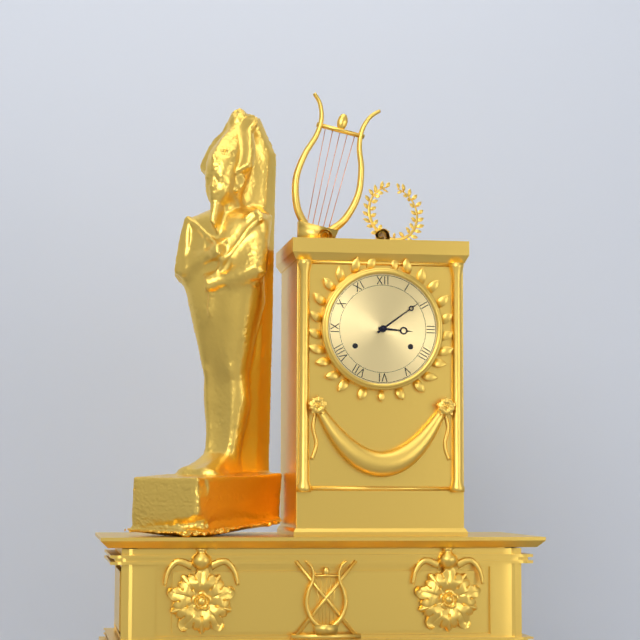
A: 3:09
